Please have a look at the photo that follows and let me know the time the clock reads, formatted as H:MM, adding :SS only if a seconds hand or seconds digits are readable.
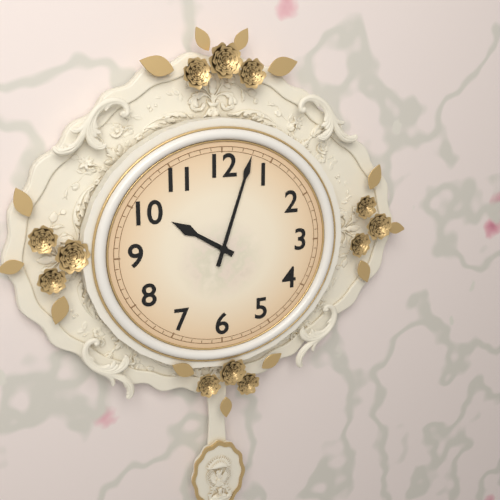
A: 10:03
